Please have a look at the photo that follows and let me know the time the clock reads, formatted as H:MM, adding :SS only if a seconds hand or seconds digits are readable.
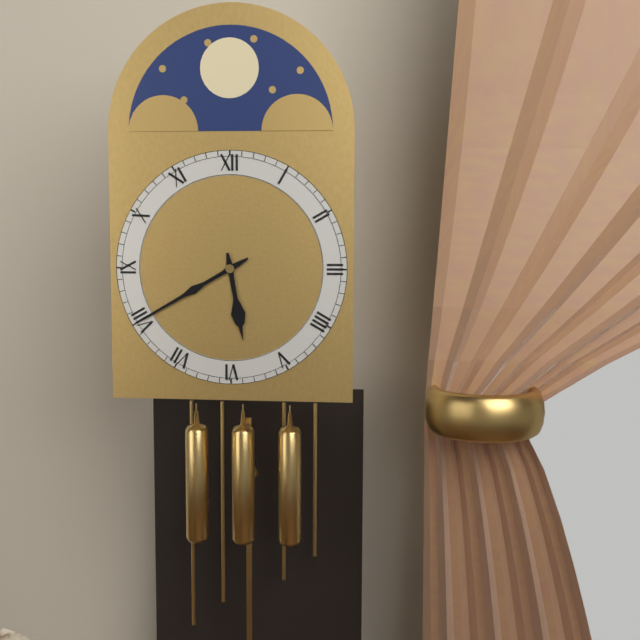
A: 5:40
